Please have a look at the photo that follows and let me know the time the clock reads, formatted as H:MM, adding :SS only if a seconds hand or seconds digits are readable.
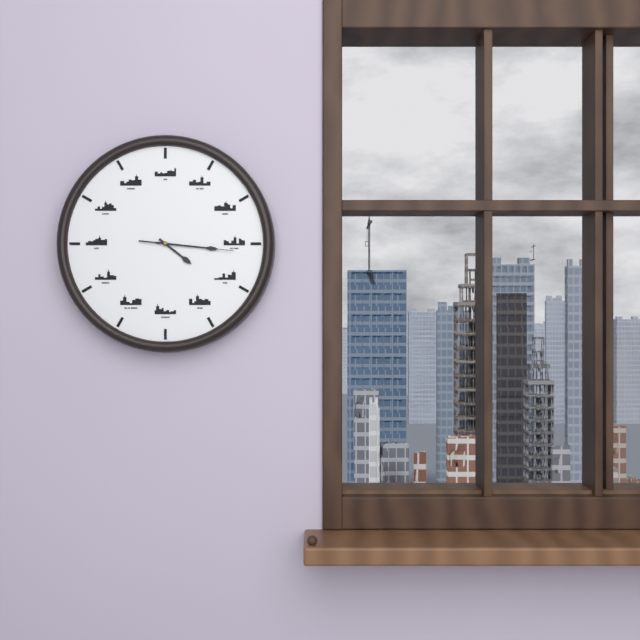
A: 4:16:16
